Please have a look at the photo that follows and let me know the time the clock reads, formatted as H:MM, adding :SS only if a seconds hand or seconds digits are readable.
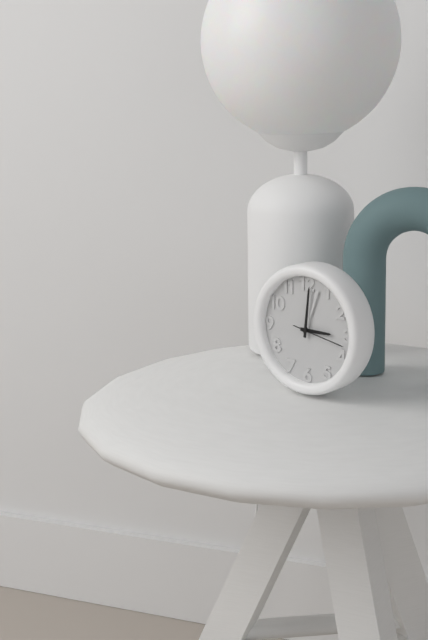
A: 3:01:17
